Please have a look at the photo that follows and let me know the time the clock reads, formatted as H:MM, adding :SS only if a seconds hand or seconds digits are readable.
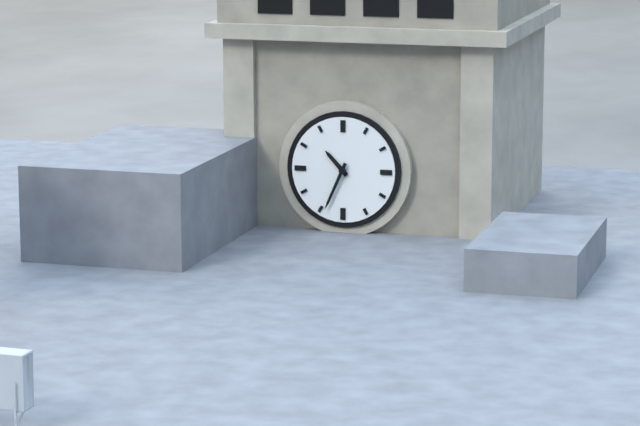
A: 10:34
